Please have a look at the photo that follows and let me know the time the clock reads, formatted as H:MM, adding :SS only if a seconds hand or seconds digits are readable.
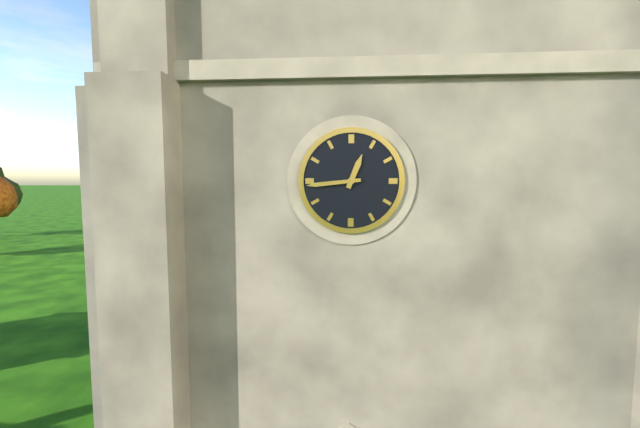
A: 12:44
